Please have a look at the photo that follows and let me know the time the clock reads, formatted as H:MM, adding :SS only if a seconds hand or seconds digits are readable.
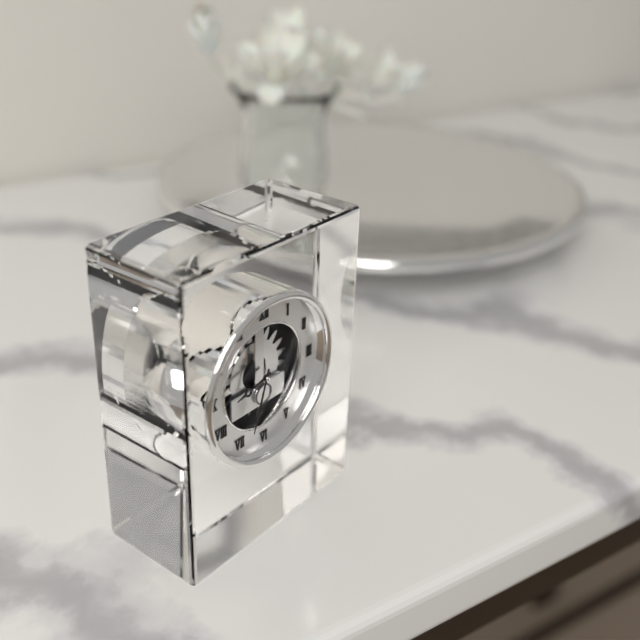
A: 8:33
